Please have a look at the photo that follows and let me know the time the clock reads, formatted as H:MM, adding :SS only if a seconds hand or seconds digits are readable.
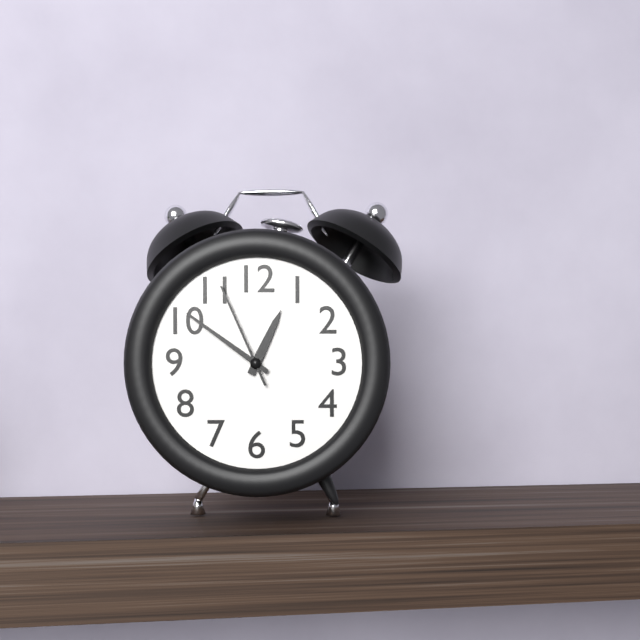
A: 12:51:56
